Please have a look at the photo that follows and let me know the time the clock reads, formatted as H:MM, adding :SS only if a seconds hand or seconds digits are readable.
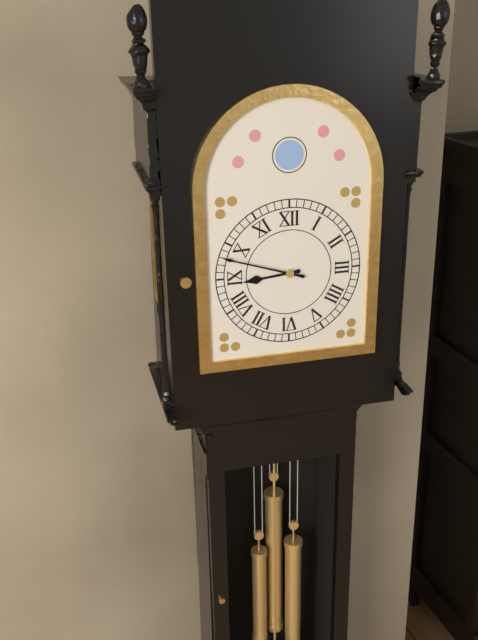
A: 8:48
